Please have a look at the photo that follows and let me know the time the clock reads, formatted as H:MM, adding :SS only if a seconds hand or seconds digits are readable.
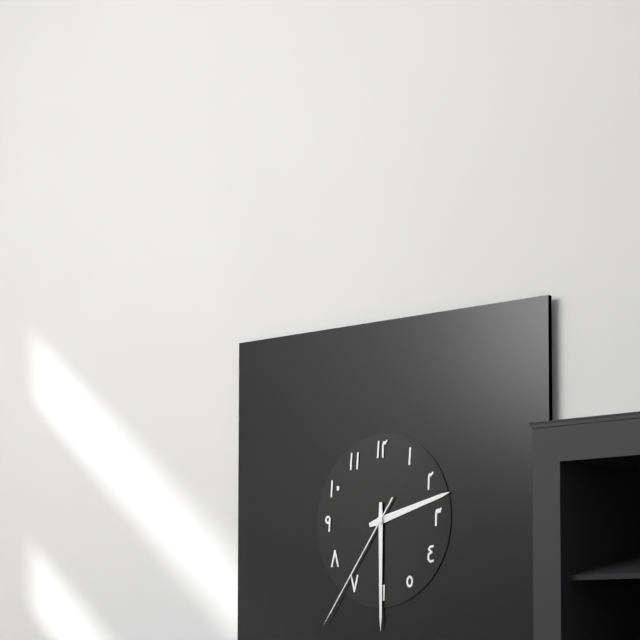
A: 2:30:36
